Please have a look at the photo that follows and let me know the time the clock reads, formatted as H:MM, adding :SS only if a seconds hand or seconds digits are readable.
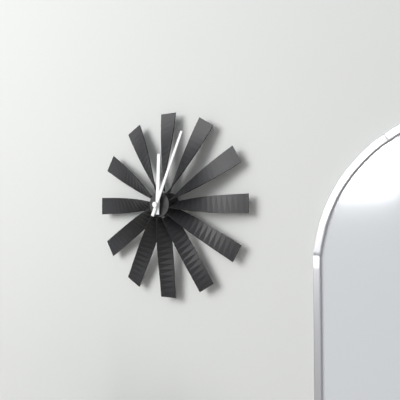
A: 12:04
